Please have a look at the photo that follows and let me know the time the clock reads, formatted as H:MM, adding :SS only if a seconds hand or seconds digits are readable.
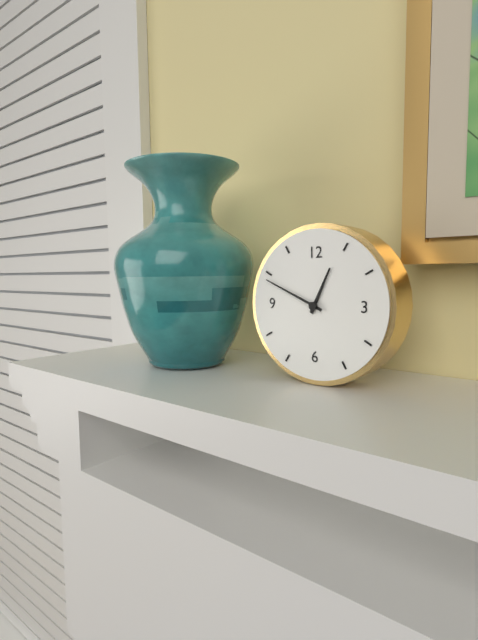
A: 12:49
